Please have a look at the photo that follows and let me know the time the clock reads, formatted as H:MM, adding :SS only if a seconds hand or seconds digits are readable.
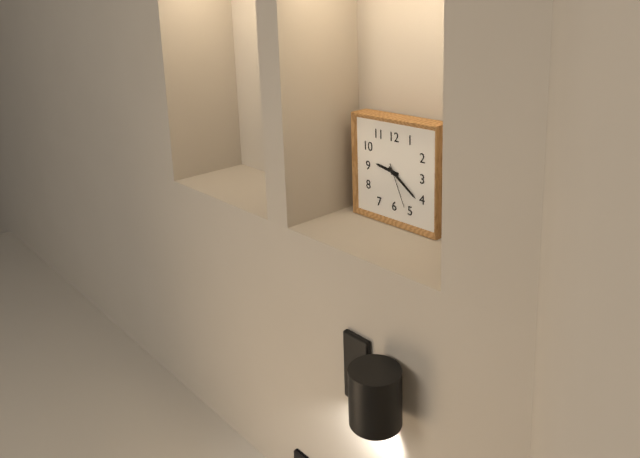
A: 9:21
